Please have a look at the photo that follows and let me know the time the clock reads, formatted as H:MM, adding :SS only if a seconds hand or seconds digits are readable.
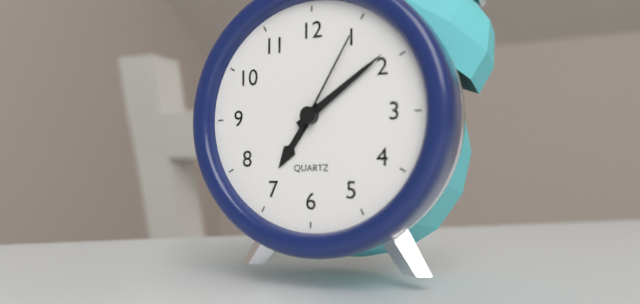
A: 7:09:05
